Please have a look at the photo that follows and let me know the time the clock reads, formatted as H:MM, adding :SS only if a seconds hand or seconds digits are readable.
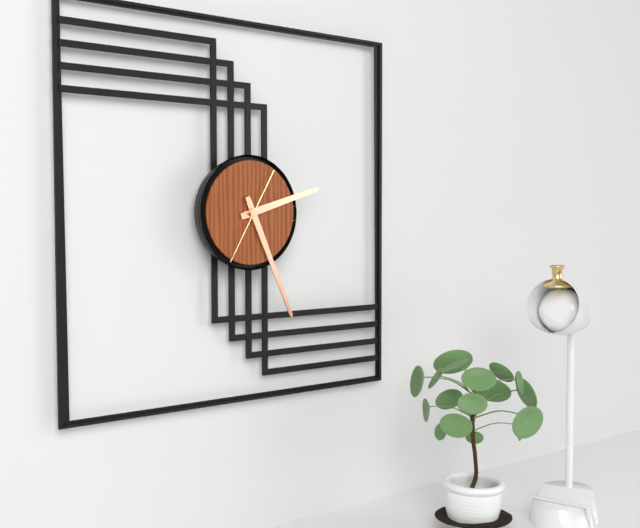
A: 2:26:35
